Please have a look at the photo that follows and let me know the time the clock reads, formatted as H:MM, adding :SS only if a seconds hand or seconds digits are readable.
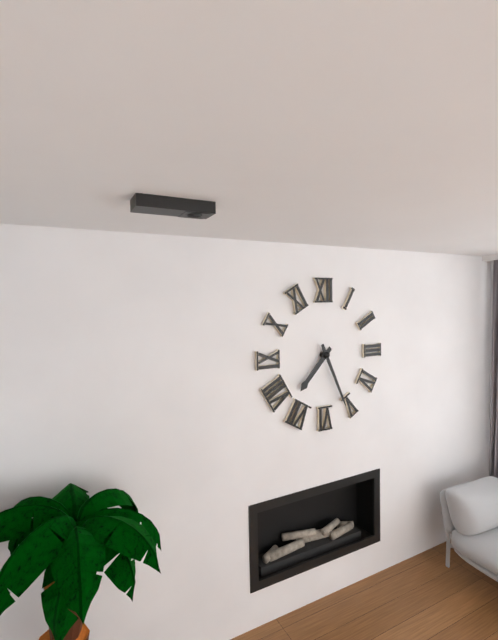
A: 7:26
